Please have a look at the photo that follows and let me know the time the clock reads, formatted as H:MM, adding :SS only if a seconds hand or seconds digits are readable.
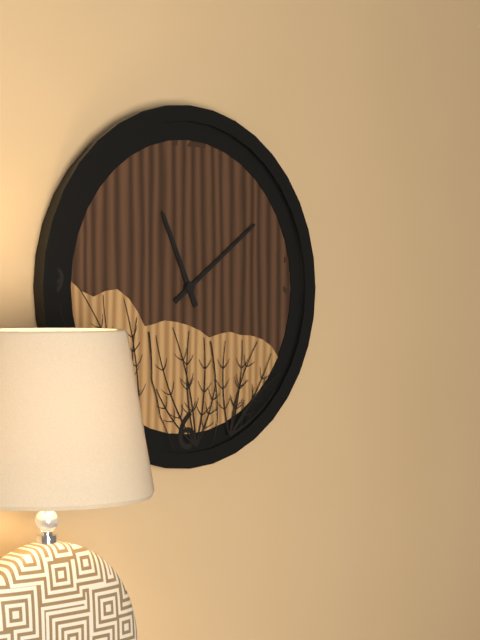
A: 11:09
